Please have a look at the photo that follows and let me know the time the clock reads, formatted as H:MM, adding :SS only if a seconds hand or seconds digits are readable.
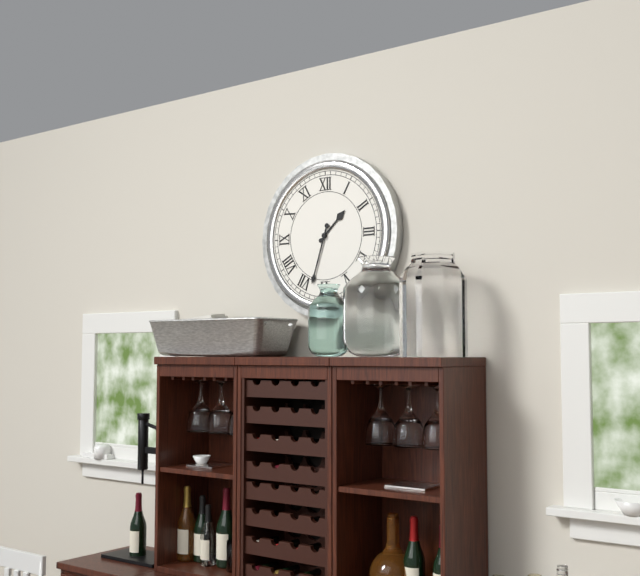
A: 1:33
